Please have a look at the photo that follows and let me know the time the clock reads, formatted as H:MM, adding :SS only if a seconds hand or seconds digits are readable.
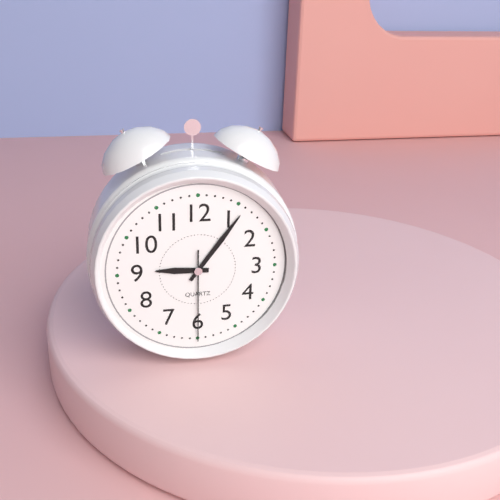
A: 9:06:30
